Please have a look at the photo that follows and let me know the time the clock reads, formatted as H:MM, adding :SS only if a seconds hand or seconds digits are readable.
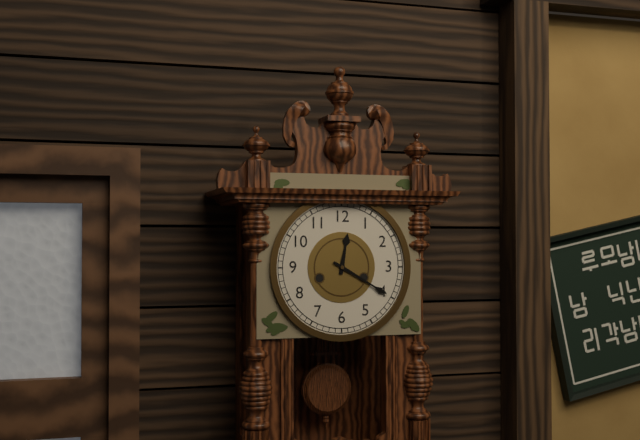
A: 12:20
